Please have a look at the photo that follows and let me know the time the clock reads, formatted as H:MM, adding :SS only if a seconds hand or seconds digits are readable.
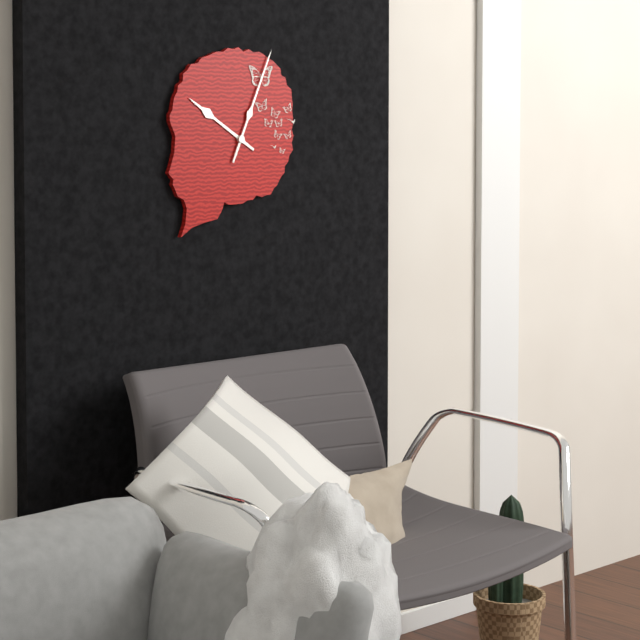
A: 10:04
